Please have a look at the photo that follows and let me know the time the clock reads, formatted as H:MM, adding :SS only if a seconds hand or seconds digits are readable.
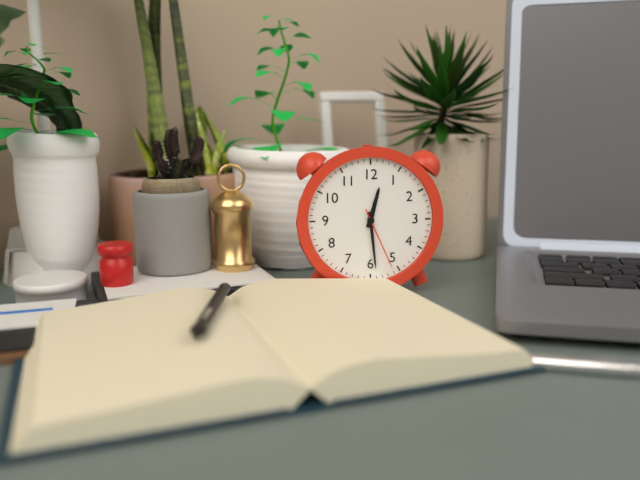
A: 12:29:26
